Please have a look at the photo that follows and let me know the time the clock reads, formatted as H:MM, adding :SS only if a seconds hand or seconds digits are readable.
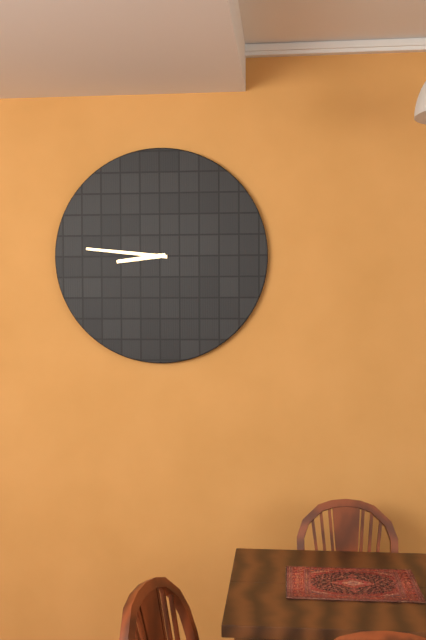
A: 8:46
